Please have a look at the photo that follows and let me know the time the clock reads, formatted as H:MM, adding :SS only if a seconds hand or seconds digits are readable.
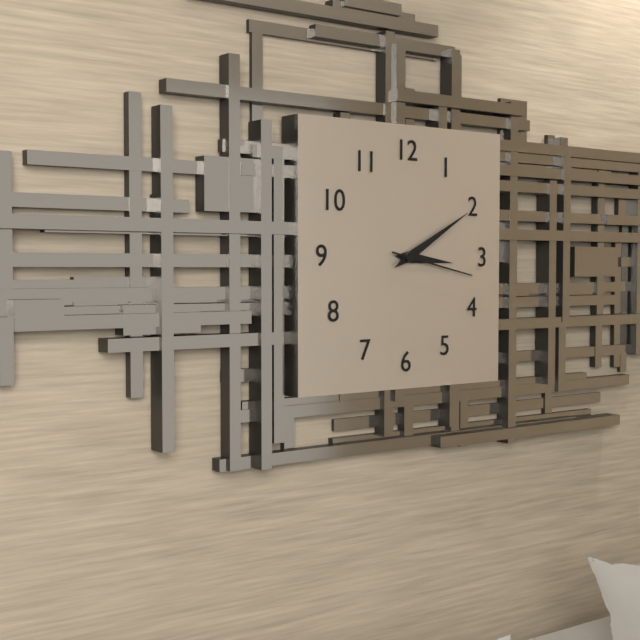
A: 3:10:17
